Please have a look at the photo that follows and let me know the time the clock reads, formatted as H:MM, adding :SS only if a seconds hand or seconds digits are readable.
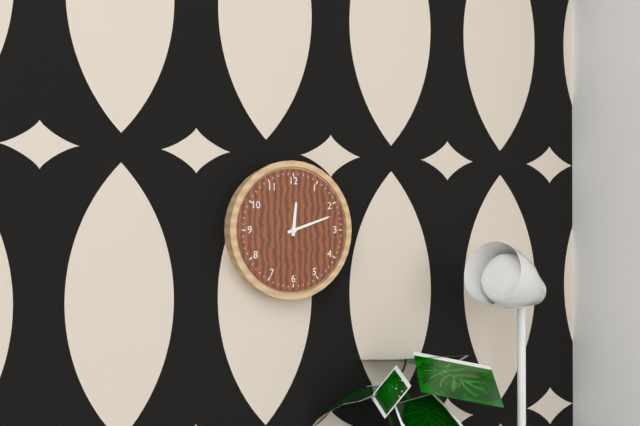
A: 12:12
